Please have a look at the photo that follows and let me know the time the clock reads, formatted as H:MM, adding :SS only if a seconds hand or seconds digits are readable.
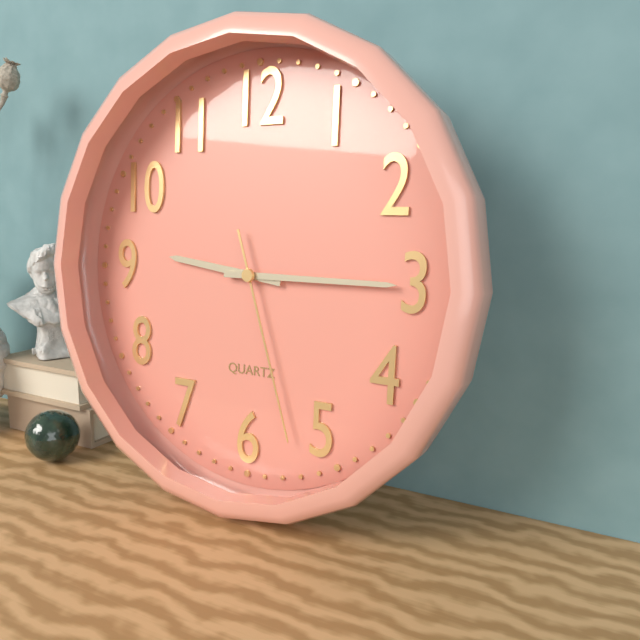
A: 9:15:27
